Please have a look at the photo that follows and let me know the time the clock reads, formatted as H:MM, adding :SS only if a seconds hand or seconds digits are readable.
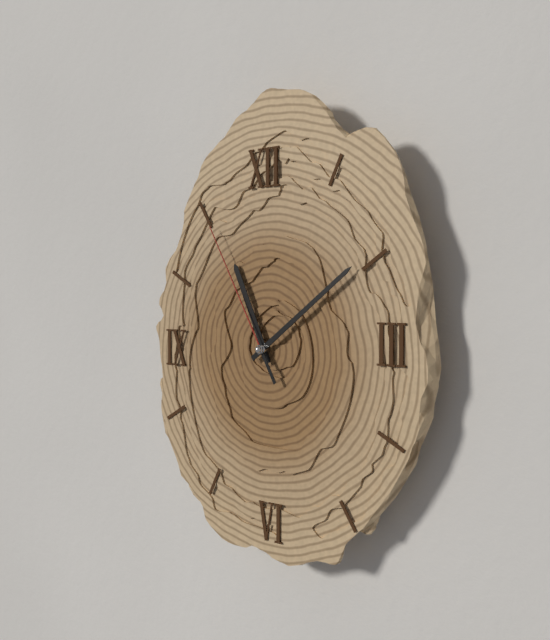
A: 11:09:55
